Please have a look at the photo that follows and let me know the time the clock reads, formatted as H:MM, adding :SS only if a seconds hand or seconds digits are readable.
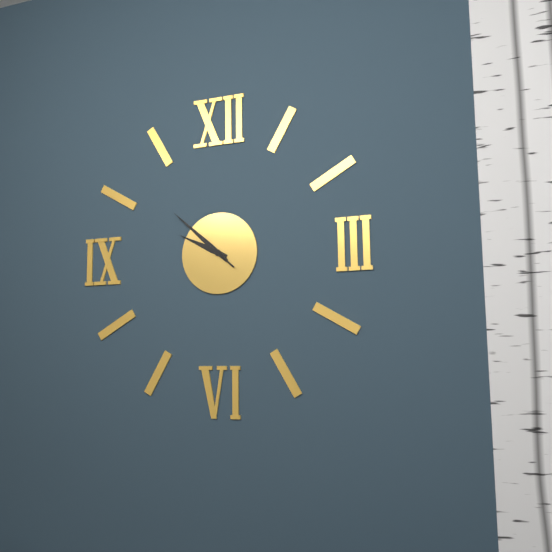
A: 9:52:52
